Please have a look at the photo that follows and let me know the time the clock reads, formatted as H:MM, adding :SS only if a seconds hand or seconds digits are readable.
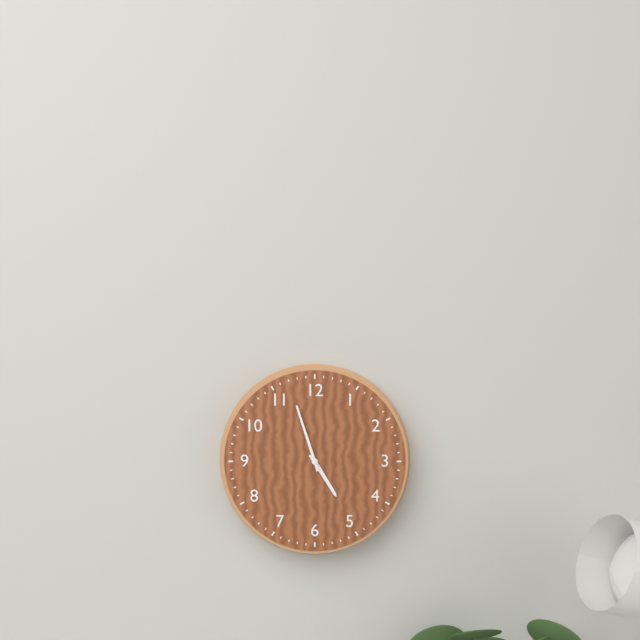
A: 4:57
